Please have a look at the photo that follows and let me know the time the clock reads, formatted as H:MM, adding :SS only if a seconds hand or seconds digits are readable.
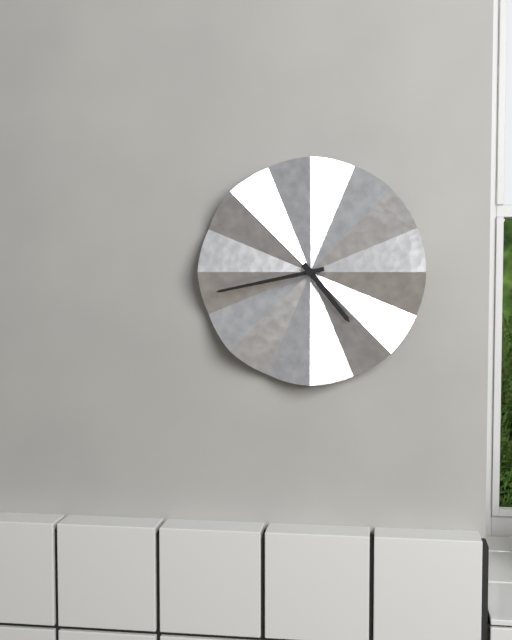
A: 4:43
